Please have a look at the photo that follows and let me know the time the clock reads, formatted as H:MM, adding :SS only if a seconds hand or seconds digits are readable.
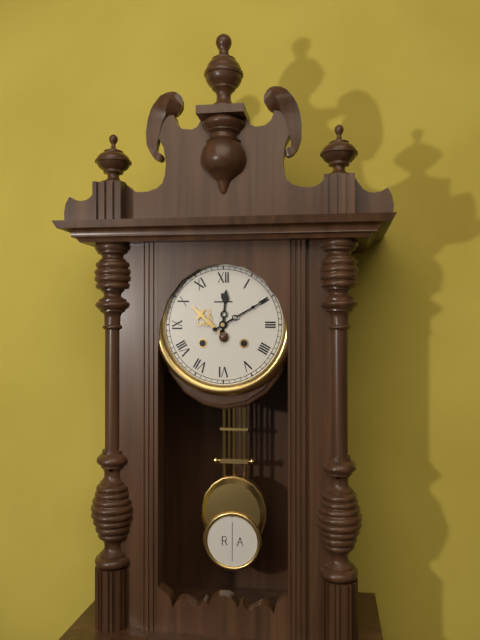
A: 12:10
